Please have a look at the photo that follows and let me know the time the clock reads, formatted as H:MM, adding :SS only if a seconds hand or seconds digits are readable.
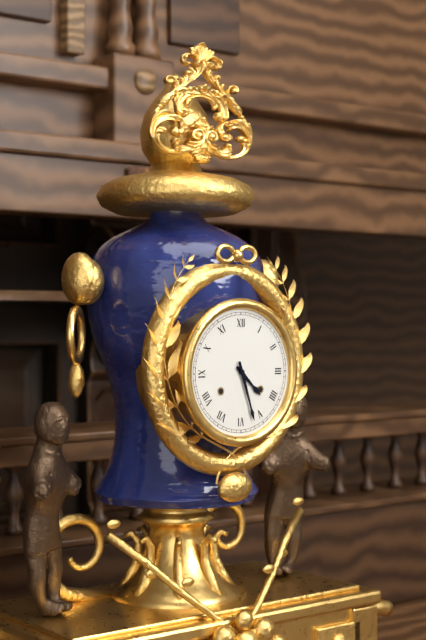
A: 4:27
